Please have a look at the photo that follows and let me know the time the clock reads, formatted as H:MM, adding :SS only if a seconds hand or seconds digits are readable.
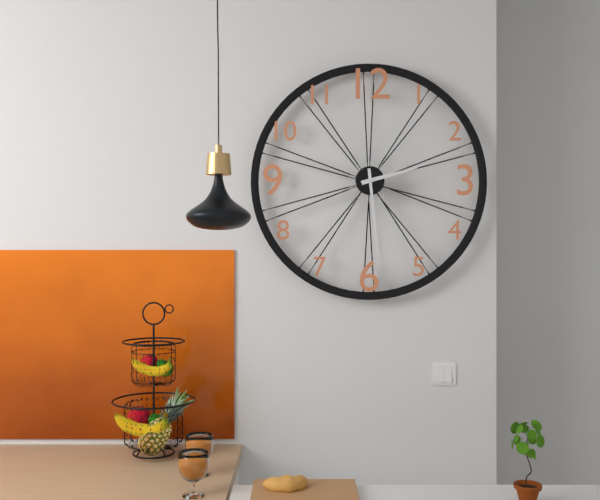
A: 2:29
